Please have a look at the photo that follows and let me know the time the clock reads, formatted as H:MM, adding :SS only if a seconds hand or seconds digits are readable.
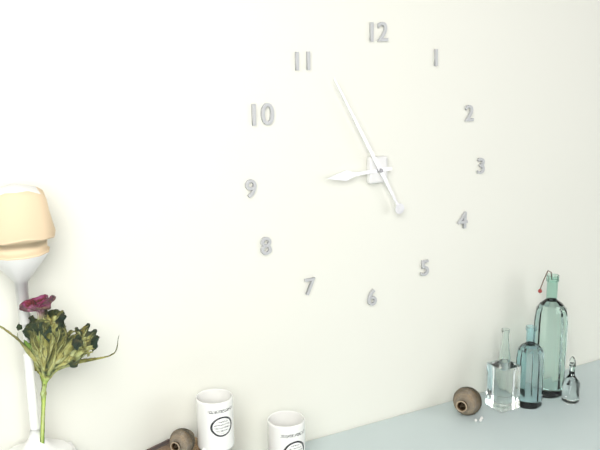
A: 8:55
